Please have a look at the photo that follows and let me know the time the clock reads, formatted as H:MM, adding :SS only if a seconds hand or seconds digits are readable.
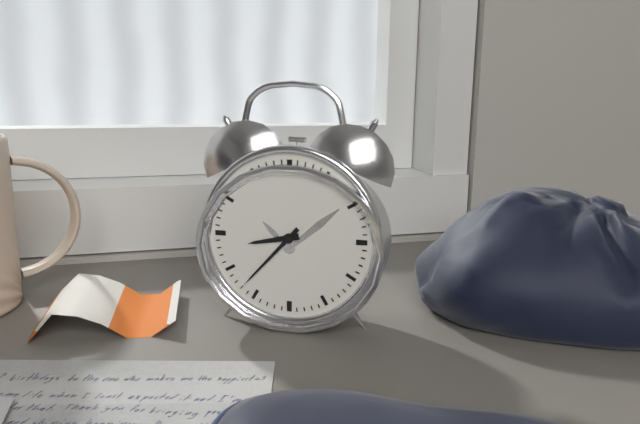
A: 8:37
